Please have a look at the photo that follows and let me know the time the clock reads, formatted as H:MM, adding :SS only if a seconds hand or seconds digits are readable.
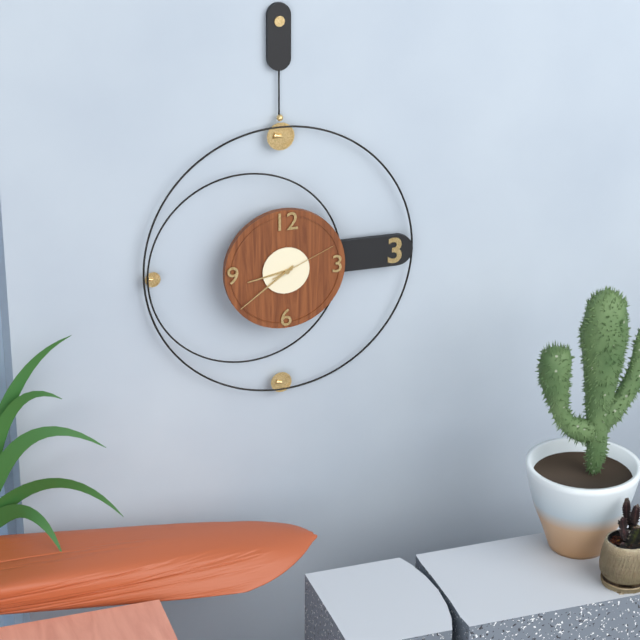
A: 8:39:11
